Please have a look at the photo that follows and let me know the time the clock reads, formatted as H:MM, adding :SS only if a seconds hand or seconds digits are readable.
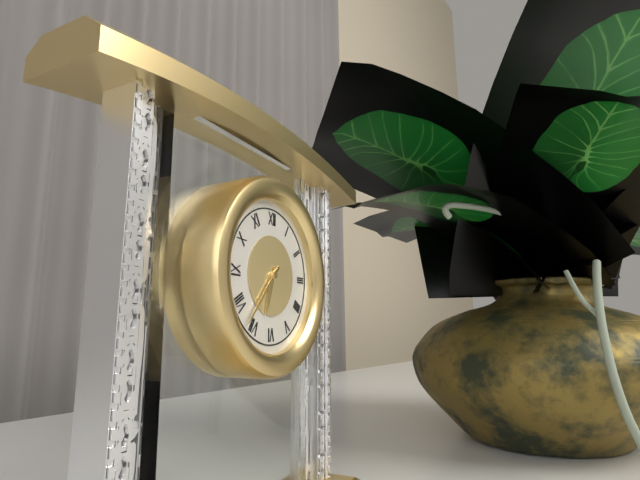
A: 6:37
